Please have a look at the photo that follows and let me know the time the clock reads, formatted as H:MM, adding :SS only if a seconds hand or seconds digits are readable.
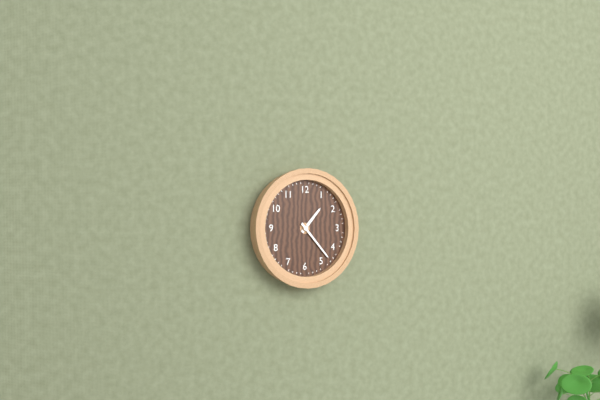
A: 1:23
